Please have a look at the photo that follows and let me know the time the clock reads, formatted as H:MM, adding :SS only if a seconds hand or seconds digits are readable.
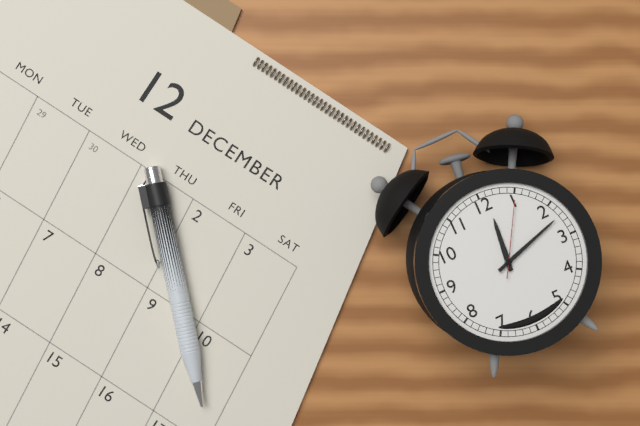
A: 12:12:05
